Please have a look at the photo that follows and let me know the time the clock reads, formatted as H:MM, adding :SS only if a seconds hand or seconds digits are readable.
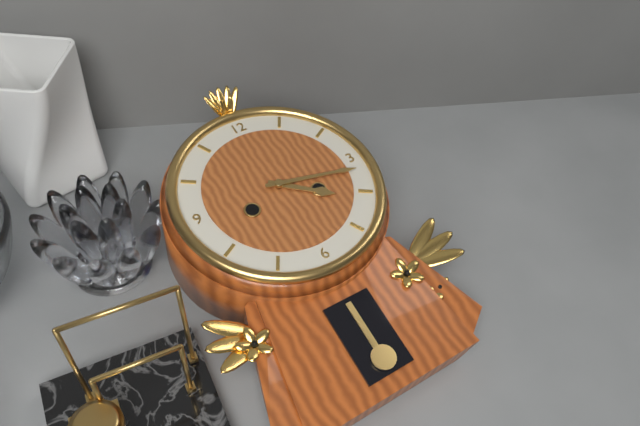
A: 4:17
